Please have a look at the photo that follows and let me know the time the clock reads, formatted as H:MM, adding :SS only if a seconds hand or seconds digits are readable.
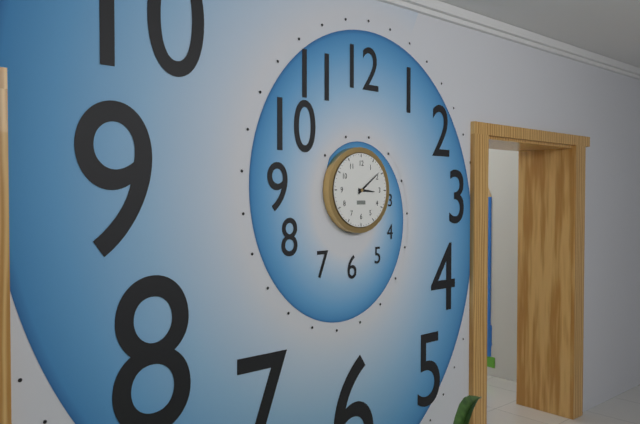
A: 3:09
